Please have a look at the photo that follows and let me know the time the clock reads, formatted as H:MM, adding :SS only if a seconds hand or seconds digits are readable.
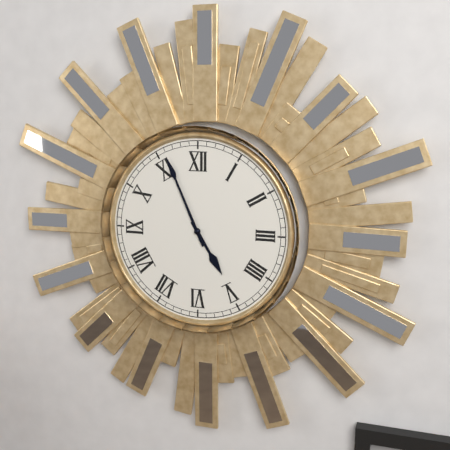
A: 4:56
